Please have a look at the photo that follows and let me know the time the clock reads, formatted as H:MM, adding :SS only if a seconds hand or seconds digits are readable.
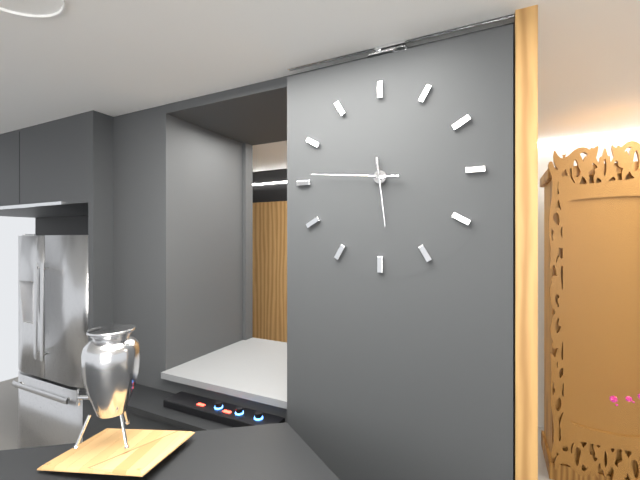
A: 5:46
